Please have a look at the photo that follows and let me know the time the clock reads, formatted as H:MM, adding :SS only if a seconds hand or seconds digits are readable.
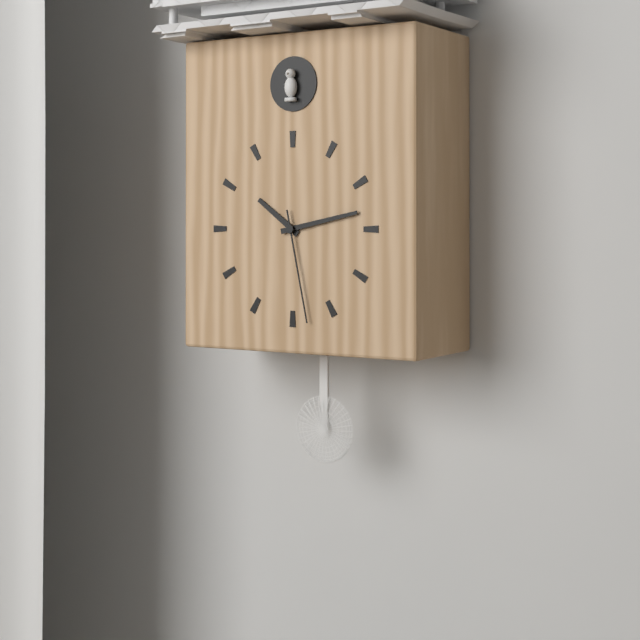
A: 10:13:28
